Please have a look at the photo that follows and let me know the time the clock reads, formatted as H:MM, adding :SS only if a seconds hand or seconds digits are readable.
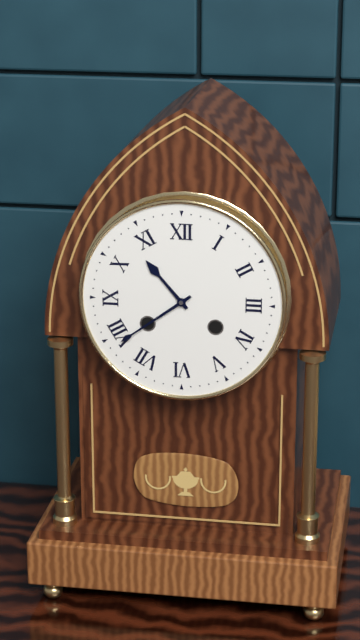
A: 10:39
